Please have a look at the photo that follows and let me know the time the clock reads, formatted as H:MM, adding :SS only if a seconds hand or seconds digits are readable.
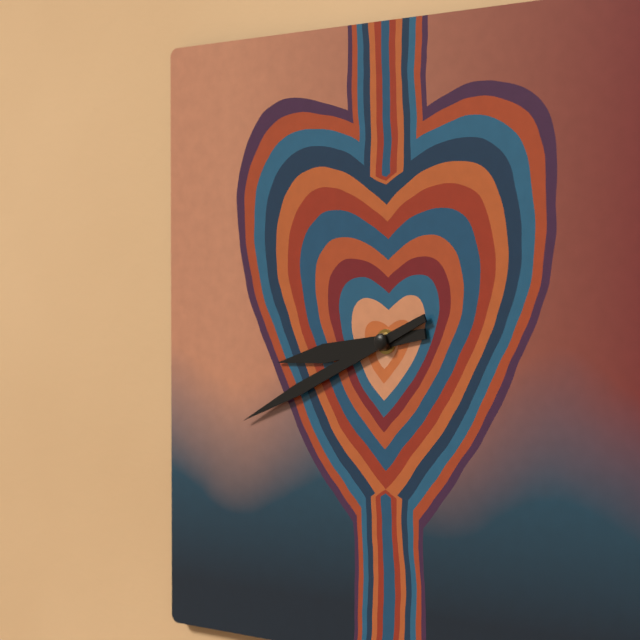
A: 8:41
